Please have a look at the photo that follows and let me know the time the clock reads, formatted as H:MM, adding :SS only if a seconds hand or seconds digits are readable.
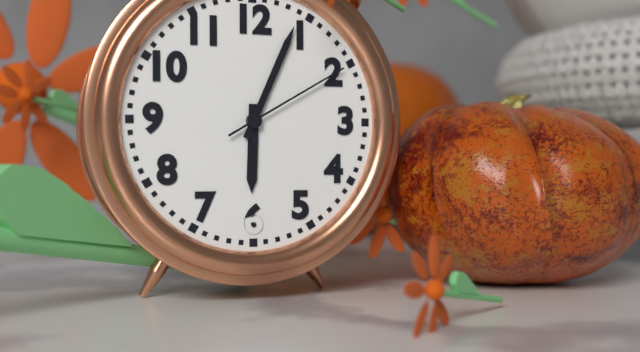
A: 6:04:10
